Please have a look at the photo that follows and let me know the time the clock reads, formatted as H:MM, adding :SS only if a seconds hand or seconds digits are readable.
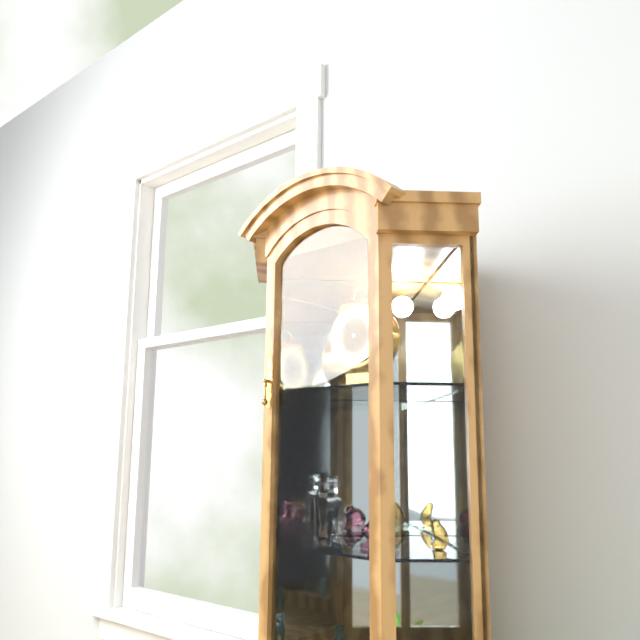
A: 6:52
